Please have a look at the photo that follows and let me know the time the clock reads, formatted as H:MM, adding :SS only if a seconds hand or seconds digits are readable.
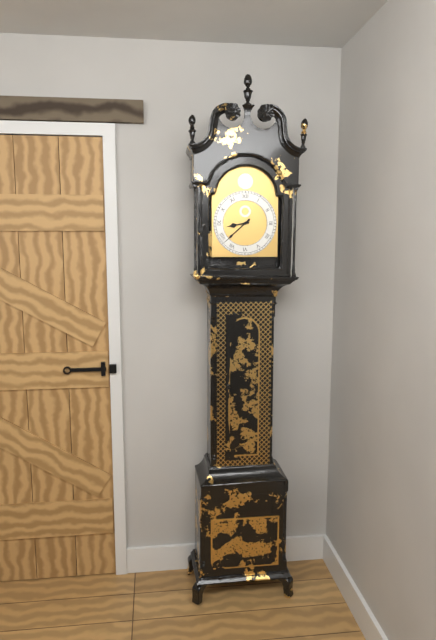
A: 8:38
